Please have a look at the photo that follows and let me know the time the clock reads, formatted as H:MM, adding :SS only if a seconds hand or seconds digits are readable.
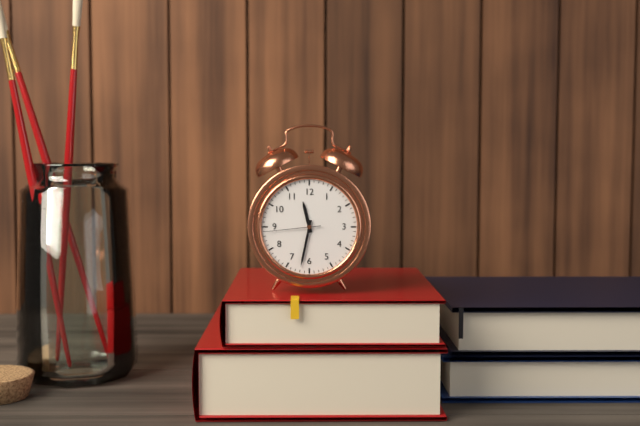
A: 11:32:44
